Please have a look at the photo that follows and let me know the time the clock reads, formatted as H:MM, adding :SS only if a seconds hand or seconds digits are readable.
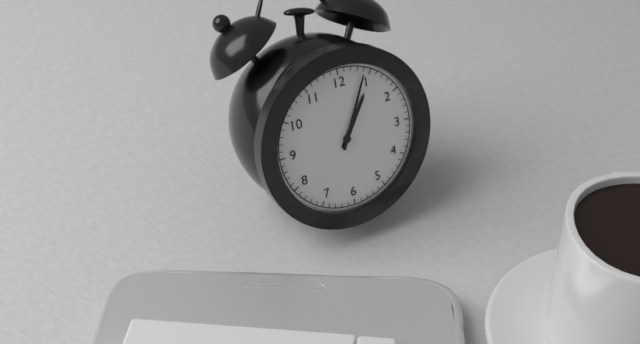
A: 1:04
